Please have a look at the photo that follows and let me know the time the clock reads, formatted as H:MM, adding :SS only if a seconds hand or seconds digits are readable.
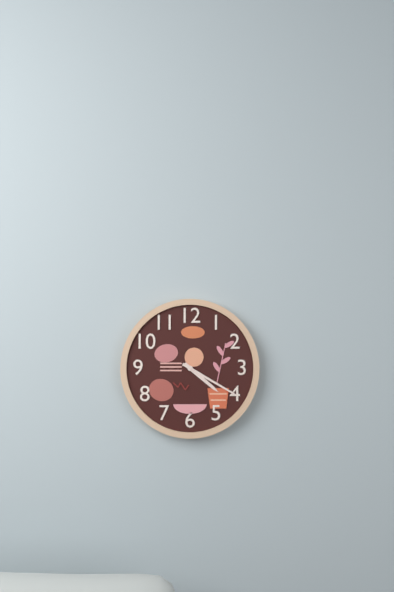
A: 4:20
